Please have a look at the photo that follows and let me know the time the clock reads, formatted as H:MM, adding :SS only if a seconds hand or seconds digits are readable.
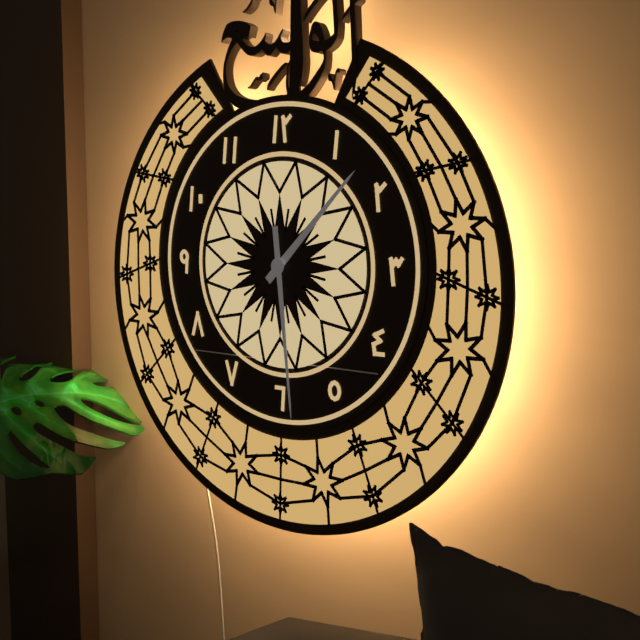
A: 1:29
